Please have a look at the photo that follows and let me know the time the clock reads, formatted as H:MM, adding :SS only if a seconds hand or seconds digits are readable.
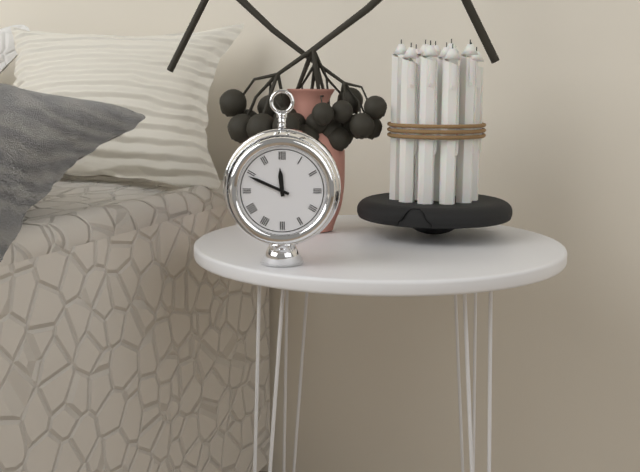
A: 11:49
